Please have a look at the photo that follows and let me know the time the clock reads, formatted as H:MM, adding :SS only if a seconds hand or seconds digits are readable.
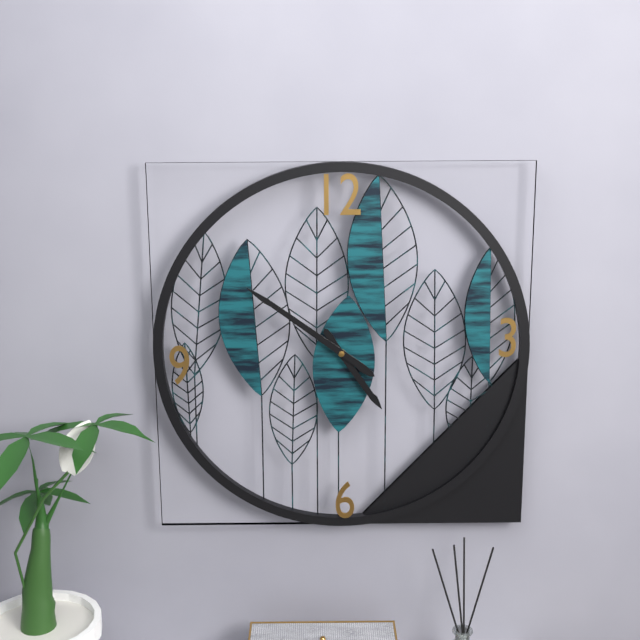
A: 4:51
